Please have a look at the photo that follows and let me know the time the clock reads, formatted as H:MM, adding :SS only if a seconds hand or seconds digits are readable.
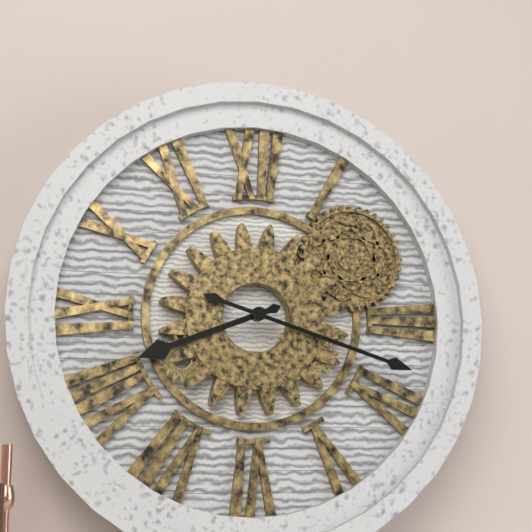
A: 8:18
